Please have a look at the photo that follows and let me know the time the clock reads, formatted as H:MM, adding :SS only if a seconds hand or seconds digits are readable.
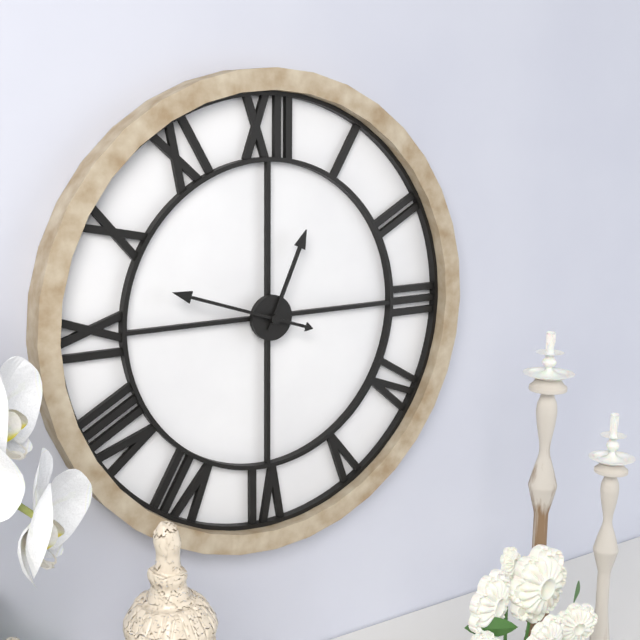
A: 12:48
